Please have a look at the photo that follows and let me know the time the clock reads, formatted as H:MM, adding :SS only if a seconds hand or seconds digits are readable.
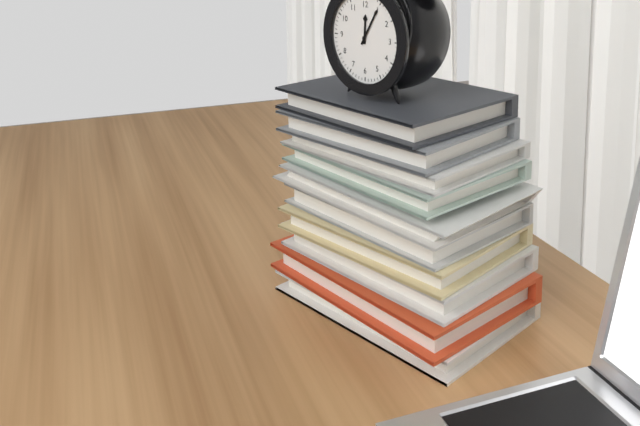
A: 12:05
